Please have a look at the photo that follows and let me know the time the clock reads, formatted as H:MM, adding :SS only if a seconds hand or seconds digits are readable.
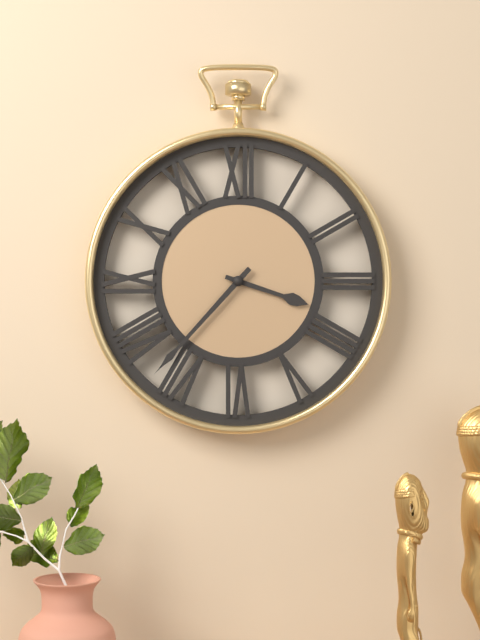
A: 3:37
